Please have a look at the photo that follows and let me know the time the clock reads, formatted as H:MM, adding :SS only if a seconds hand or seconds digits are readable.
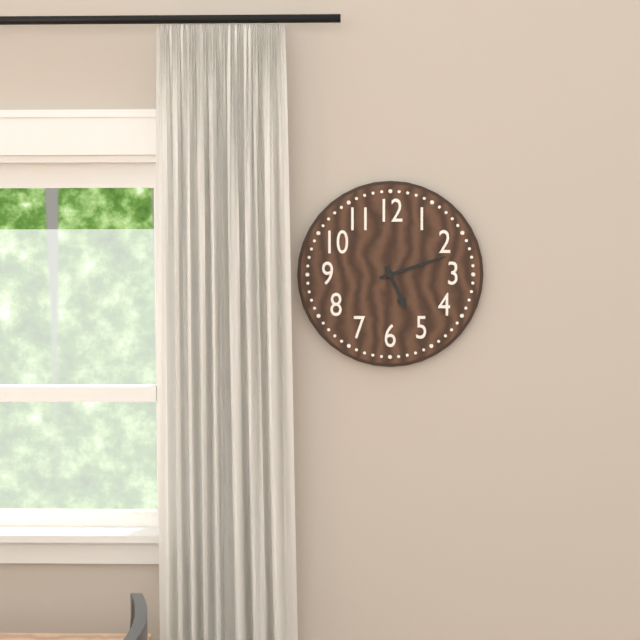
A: 5:12
